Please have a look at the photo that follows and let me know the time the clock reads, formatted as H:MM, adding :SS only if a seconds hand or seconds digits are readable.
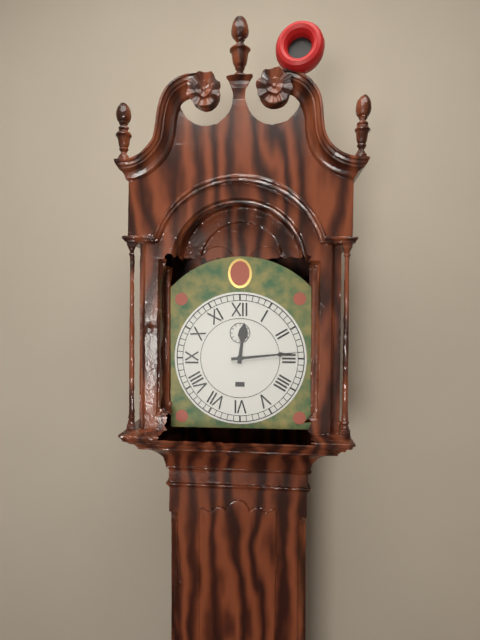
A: 12:14
